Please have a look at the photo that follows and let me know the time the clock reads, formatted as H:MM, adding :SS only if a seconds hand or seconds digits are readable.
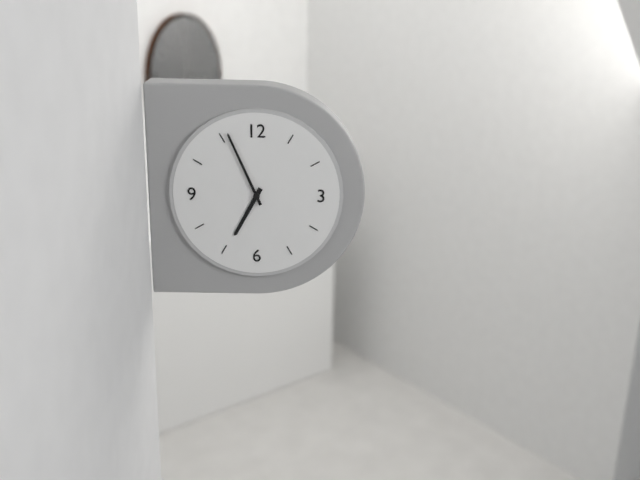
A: 6:56
